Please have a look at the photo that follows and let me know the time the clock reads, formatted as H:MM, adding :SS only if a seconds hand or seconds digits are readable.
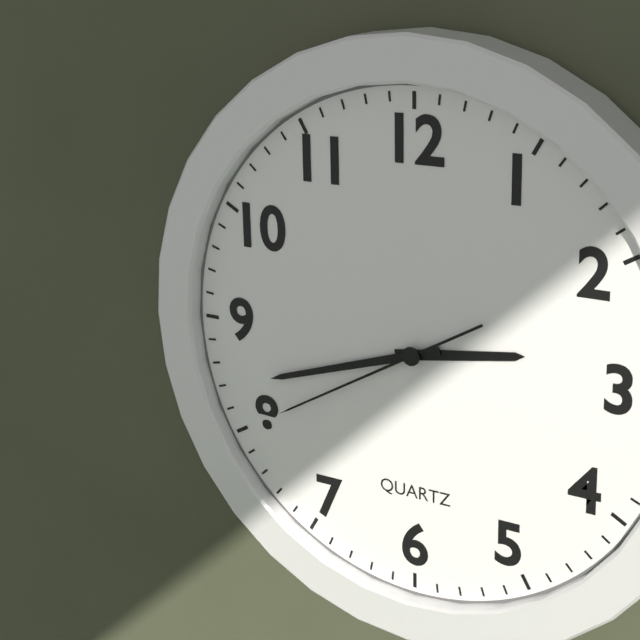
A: 2:42:40
